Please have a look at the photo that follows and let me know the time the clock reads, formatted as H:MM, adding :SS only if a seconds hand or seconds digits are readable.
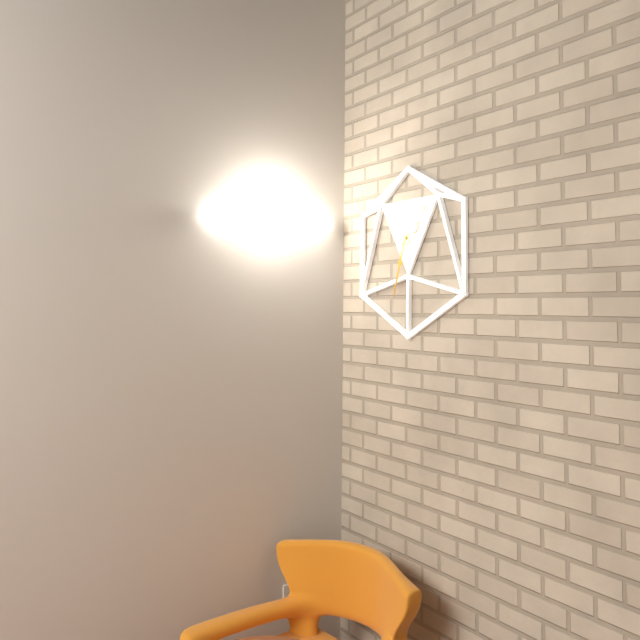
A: 1:33
